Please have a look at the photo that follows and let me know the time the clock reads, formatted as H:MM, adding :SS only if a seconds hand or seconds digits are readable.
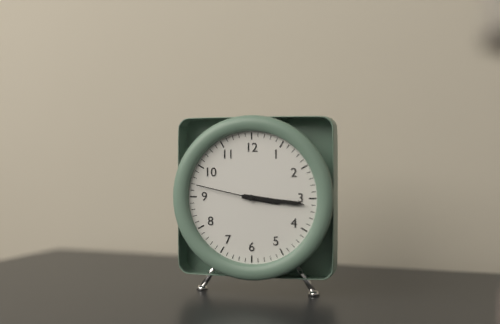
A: 3:16:47
